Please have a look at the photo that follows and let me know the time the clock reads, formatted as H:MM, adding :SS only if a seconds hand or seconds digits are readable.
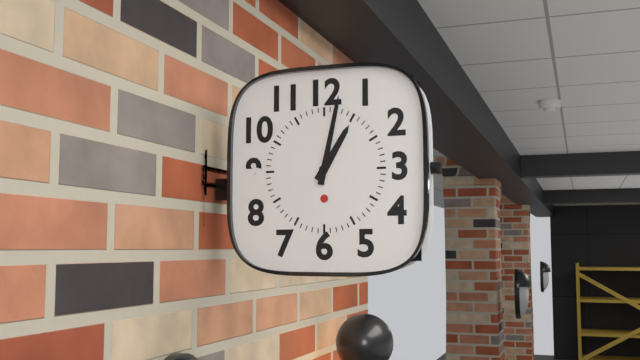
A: 1:02
